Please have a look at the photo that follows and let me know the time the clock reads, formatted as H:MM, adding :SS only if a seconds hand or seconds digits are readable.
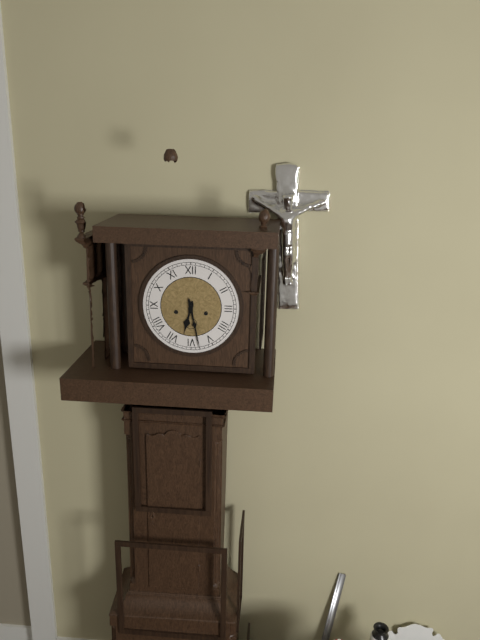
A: 6:28
